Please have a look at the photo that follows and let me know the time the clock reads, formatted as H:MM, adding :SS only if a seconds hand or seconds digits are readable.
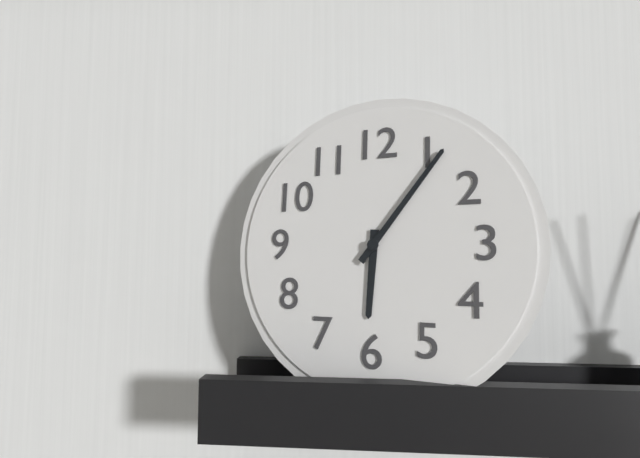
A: 6:06
